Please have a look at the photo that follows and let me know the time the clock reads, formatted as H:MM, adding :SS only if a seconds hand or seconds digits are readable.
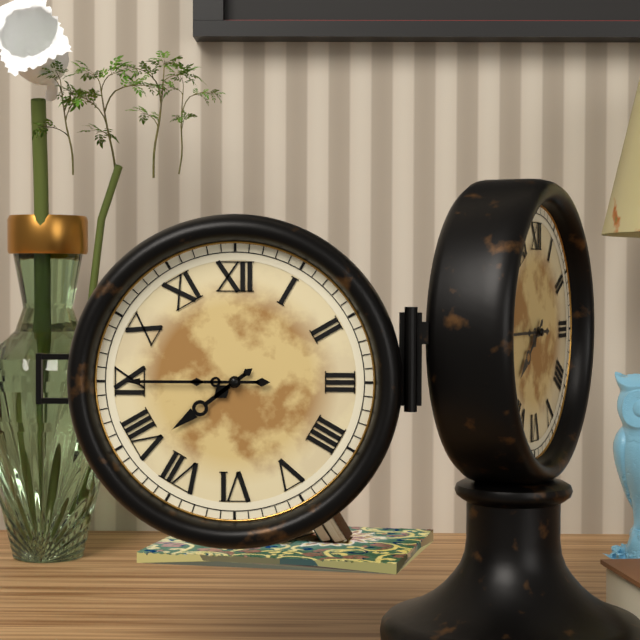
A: 7:45
